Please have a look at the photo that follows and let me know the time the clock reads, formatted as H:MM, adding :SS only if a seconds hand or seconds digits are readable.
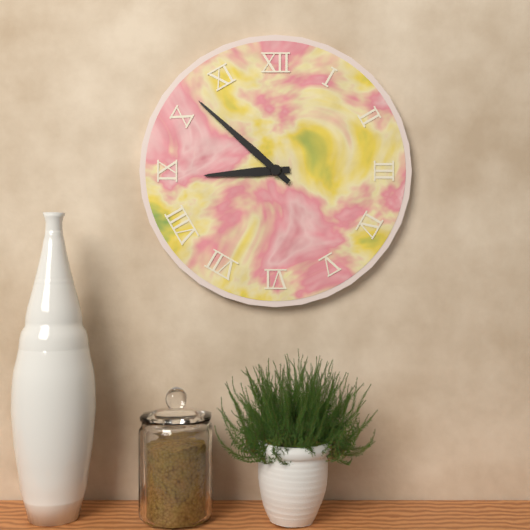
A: 8:52
